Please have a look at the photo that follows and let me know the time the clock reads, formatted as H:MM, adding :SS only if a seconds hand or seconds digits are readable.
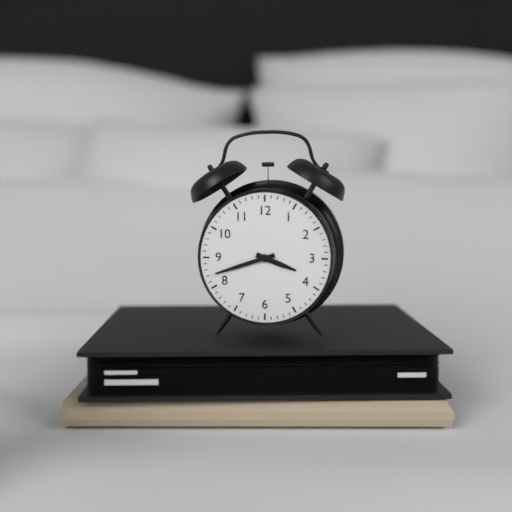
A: 3:42
